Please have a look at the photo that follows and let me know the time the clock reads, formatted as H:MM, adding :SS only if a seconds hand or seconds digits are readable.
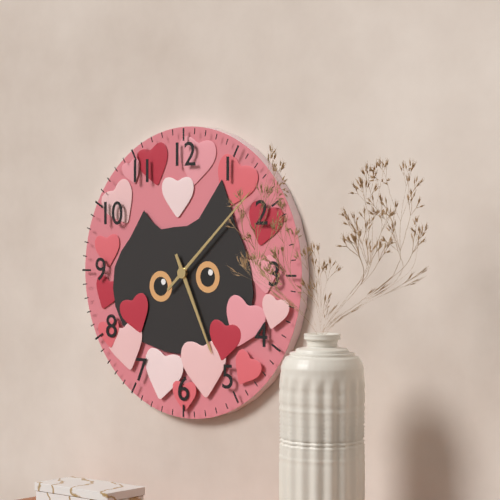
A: 5:08
